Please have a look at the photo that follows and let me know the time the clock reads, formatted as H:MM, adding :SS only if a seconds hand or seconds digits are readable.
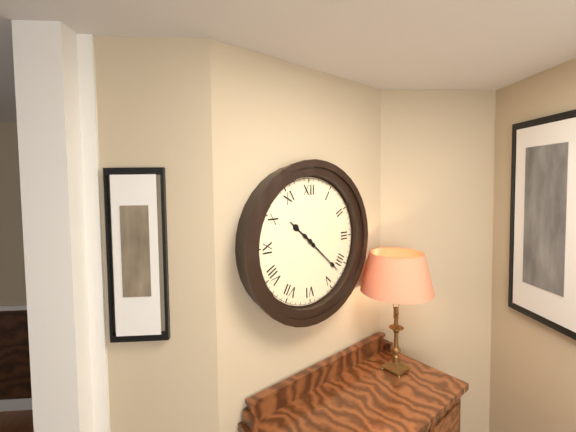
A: 10:22
